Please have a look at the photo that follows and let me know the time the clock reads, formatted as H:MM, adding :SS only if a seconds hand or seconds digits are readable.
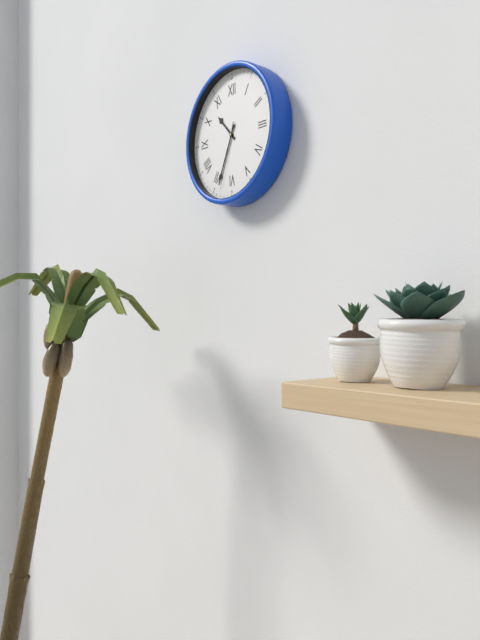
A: 10:34:33
